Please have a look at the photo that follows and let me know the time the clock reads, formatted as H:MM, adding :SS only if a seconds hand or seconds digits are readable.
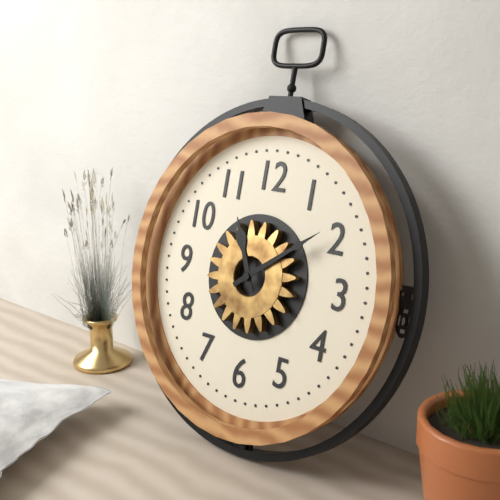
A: 11:09
